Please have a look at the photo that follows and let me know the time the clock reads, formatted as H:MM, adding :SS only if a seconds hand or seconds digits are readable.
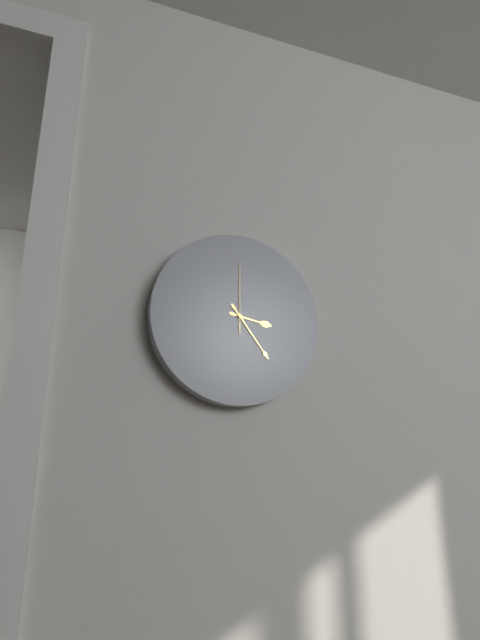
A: 3:24:00
